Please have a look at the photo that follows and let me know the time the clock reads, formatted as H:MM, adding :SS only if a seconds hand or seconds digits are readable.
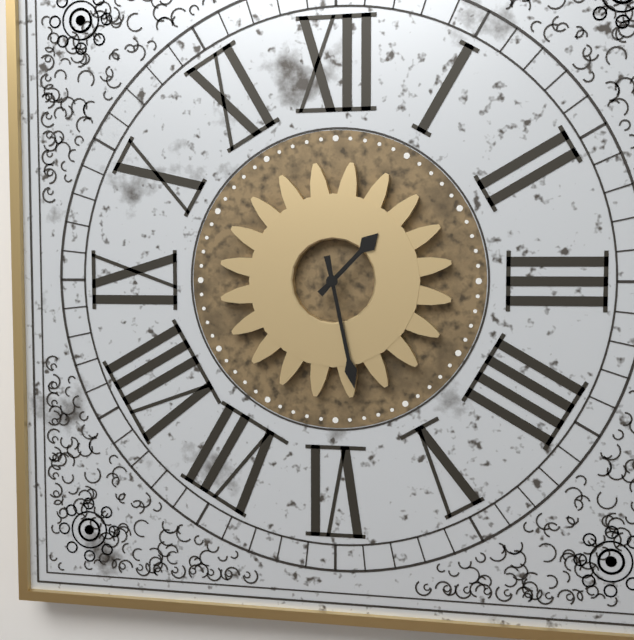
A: 1:28
